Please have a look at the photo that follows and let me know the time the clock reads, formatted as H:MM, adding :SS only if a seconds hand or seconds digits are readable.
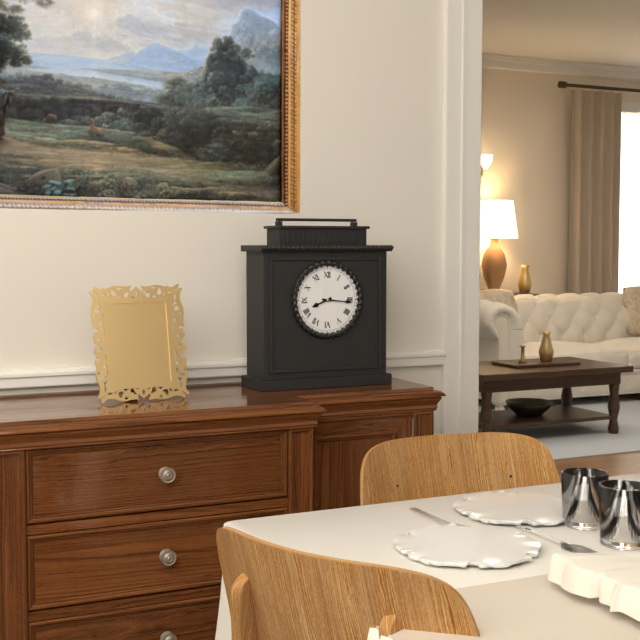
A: 8:16
